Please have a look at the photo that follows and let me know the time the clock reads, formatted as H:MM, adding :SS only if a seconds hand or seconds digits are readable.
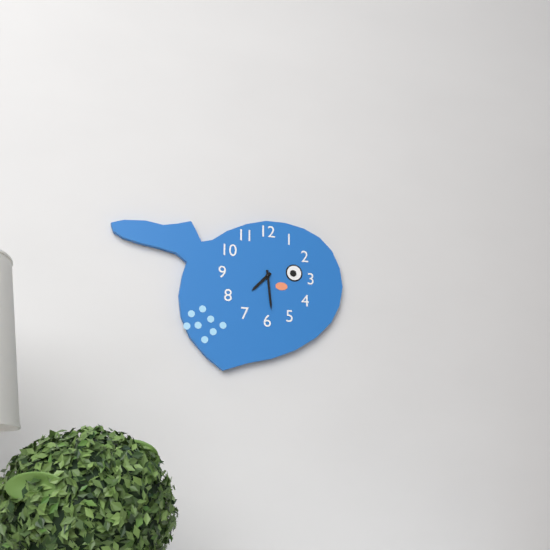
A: 7:29
